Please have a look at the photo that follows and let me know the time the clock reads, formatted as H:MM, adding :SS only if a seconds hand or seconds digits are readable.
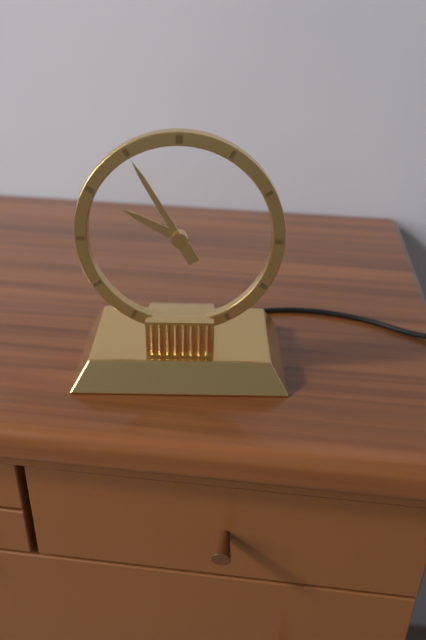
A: 9:55
